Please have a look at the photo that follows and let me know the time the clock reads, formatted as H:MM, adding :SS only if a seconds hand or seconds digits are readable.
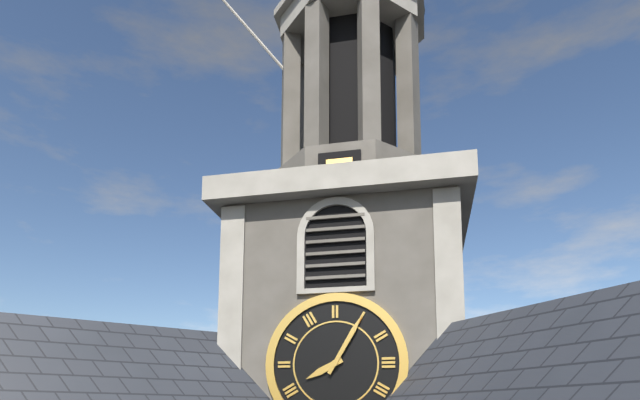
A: 8:05
